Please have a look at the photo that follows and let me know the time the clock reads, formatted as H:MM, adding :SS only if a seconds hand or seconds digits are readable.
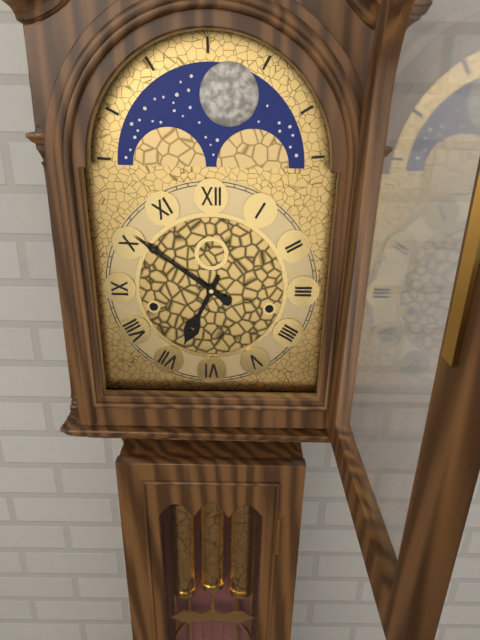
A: 6:51
